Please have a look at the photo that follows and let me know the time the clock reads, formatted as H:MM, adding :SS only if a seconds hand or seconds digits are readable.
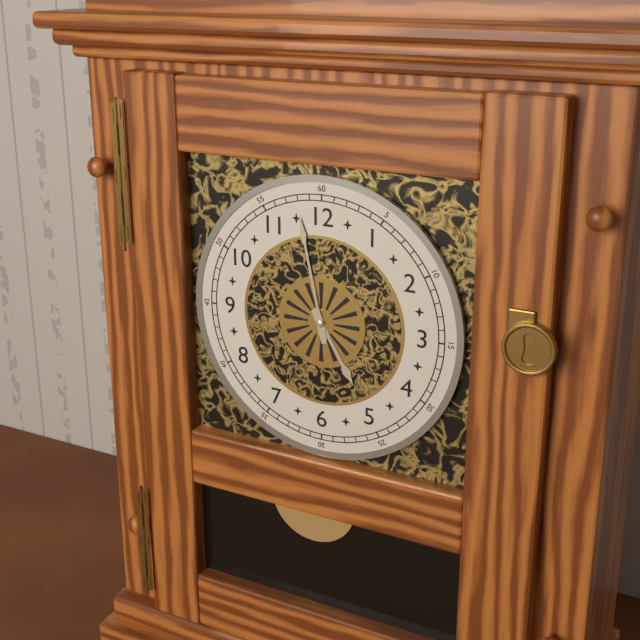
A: 4:58
